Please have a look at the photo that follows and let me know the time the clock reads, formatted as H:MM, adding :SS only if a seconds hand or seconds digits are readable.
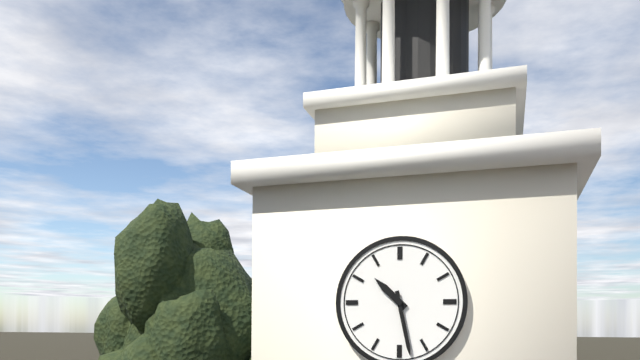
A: 10:28
